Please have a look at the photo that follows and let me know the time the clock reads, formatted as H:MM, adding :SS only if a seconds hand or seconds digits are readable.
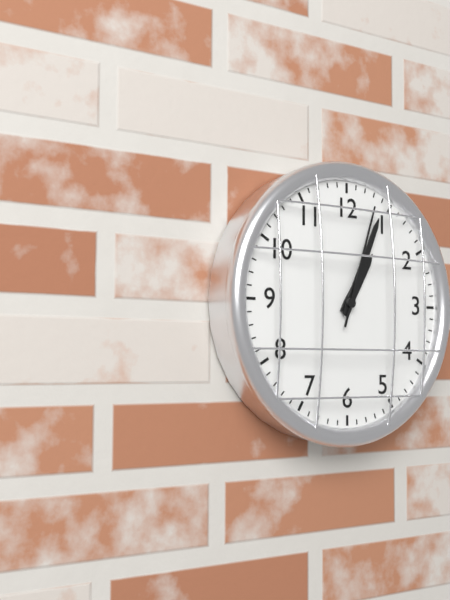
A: 1:04:03
